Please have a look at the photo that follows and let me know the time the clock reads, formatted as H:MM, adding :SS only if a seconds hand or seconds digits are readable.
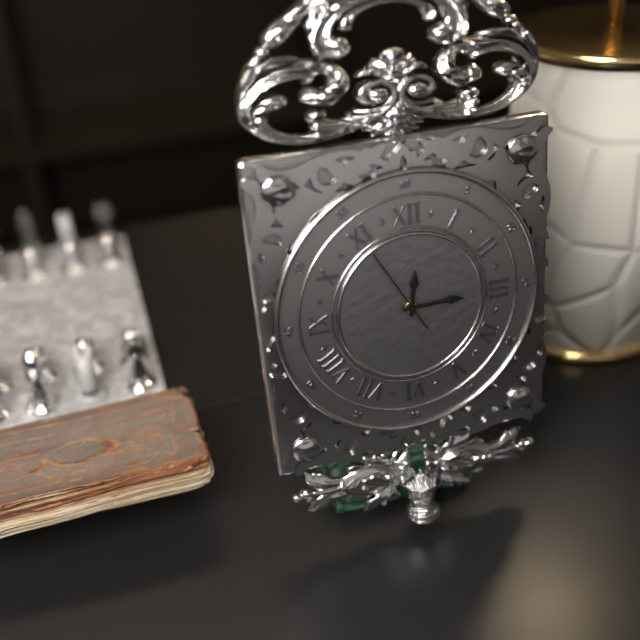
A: 12:15:55
